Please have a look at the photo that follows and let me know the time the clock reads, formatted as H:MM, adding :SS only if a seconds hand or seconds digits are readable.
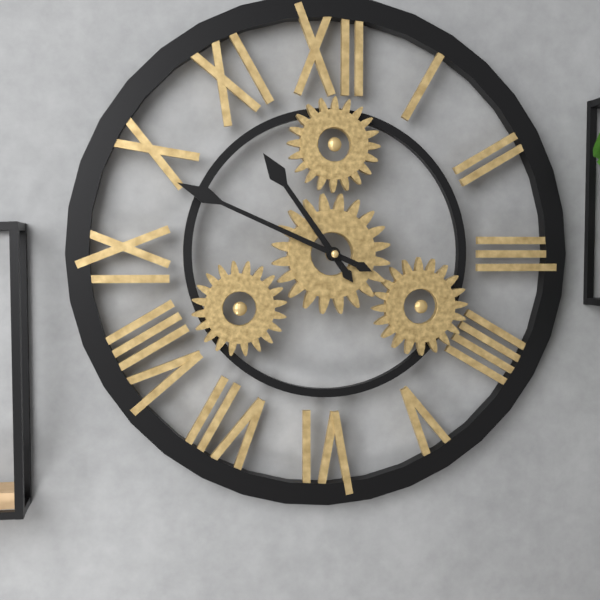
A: 10:49
